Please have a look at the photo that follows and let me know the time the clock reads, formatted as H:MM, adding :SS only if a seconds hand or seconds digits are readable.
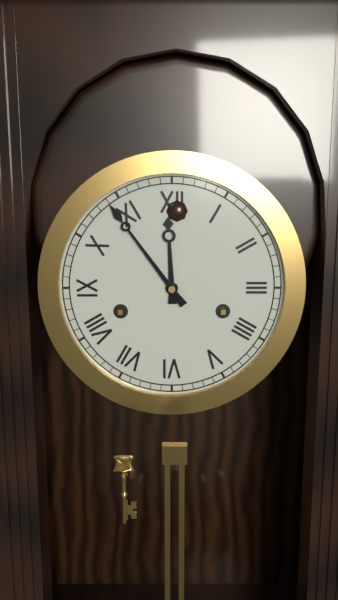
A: 11:54
